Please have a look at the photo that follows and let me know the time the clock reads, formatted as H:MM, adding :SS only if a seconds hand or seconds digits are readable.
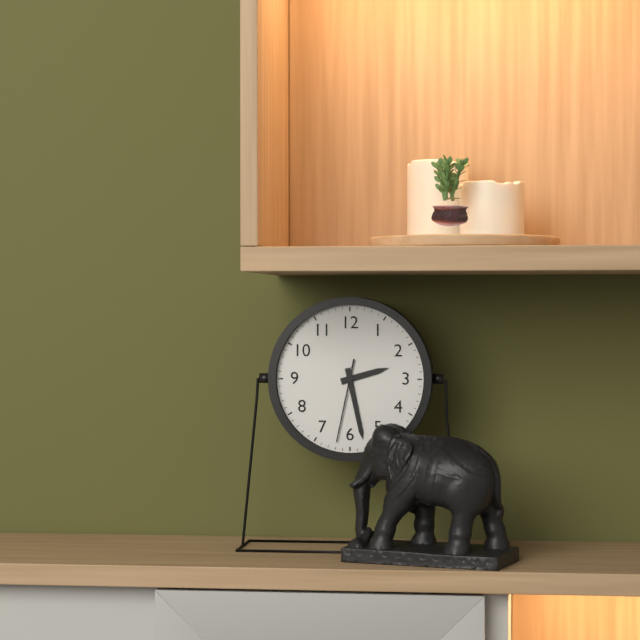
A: 2:28:32
